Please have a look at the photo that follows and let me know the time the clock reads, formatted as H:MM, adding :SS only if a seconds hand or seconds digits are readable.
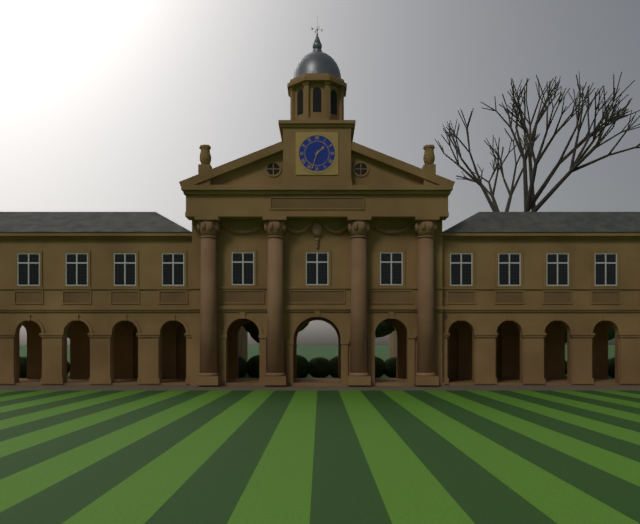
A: 1:33
